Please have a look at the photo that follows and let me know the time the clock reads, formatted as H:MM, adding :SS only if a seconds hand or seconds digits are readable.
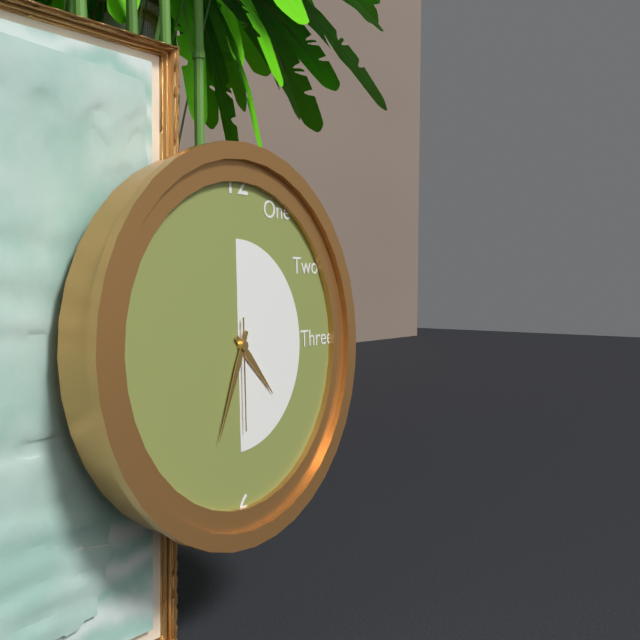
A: 4:34:30
